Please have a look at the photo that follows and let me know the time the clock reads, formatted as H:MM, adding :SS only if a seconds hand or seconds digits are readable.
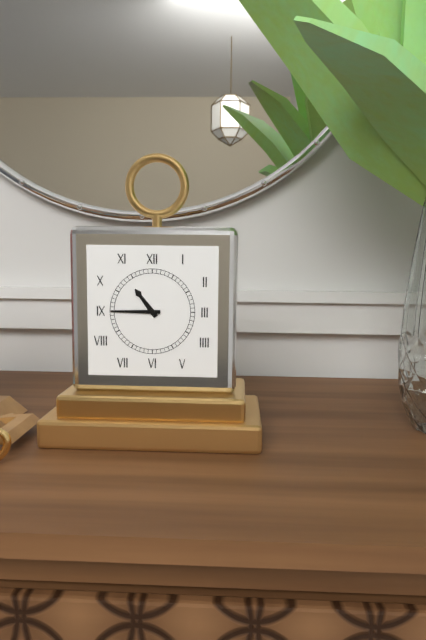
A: 10:45
